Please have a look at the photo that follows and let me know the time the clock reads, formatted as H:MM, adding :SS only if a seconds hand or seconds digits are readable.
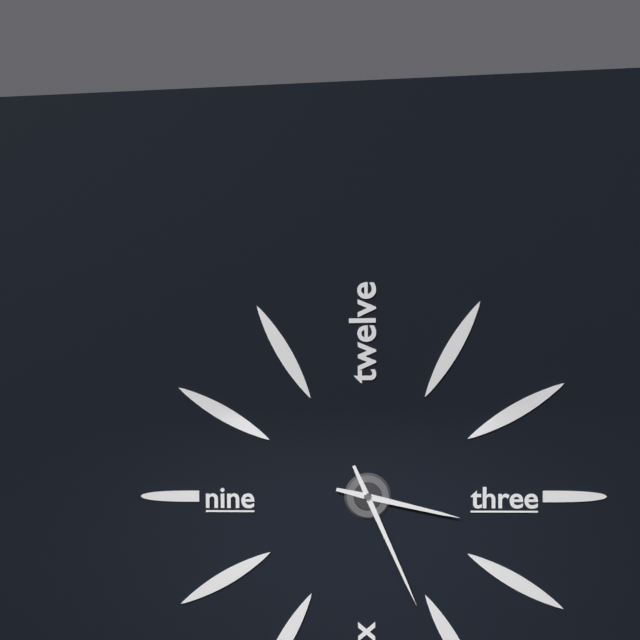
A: 3:26
